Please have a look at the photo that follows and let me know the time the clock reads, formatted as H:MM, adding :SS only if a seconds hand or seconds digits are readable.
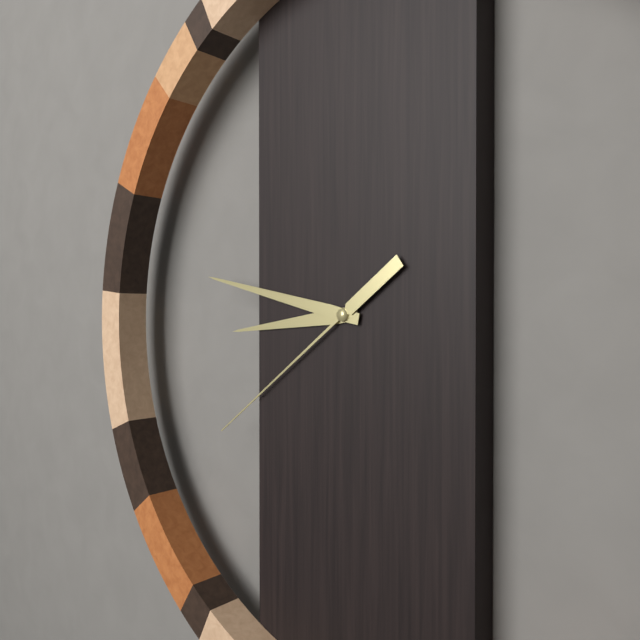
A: 8:47:39
